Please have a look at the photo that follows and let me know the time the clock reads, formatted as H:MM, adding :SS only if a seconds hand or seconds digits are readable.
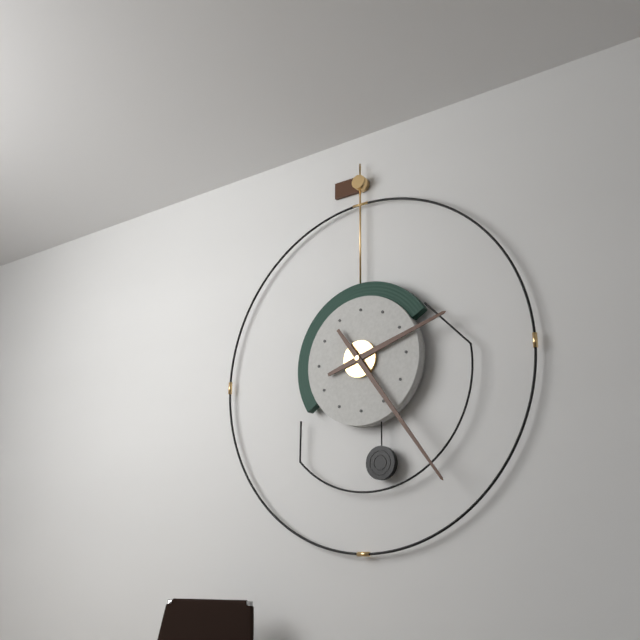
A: 2:24
